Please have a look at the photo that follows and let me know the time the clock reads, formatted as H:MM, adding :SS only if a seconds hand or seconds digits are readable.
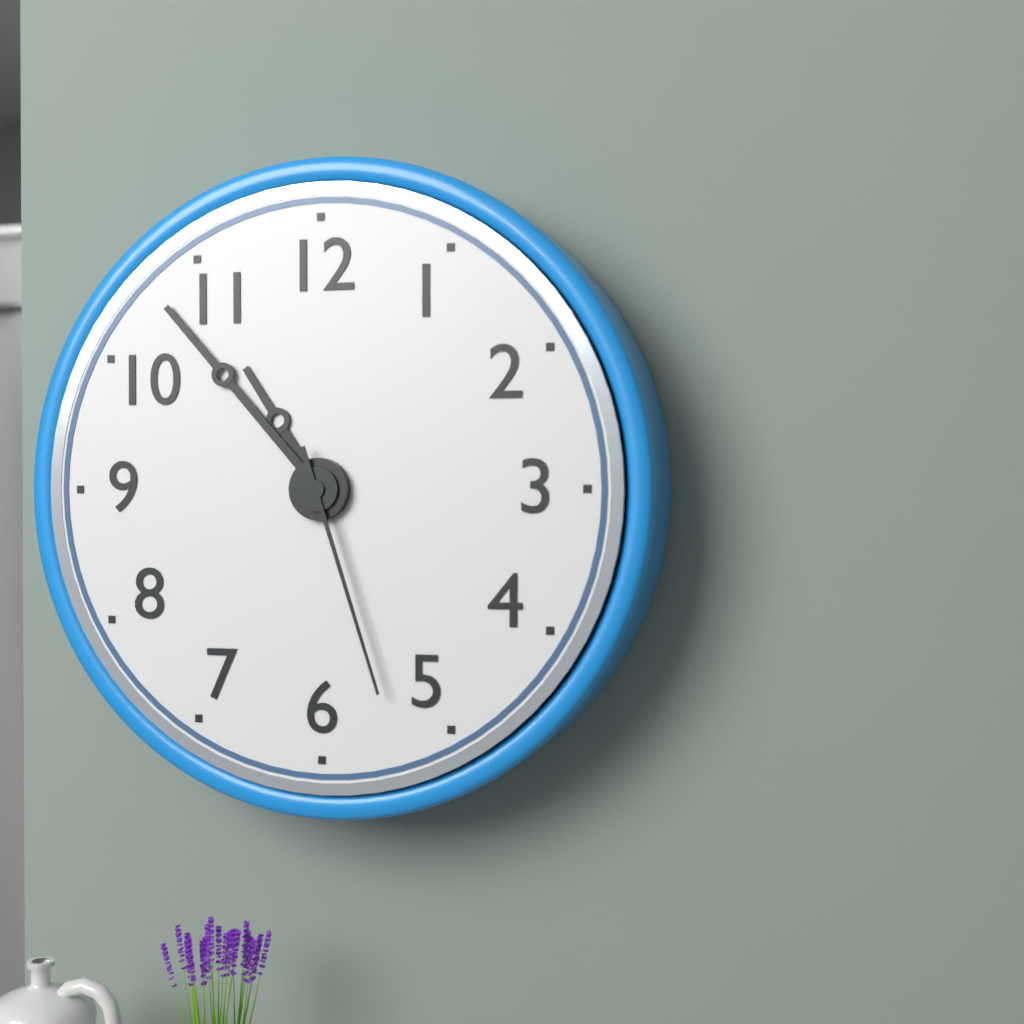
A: 10:53:27
